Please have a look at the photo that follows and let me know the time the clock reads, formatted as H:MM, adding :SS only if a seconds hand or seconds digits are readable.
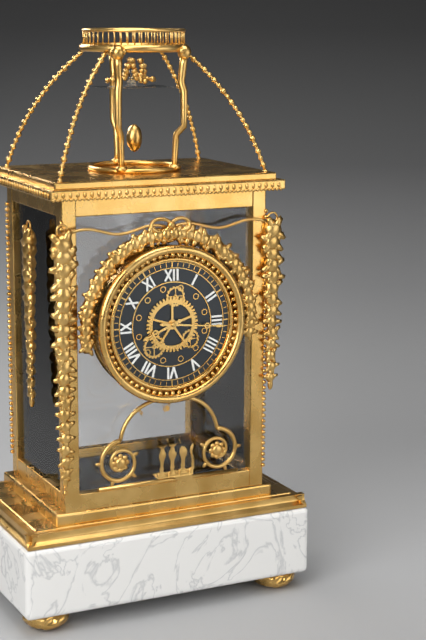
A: 8:16
